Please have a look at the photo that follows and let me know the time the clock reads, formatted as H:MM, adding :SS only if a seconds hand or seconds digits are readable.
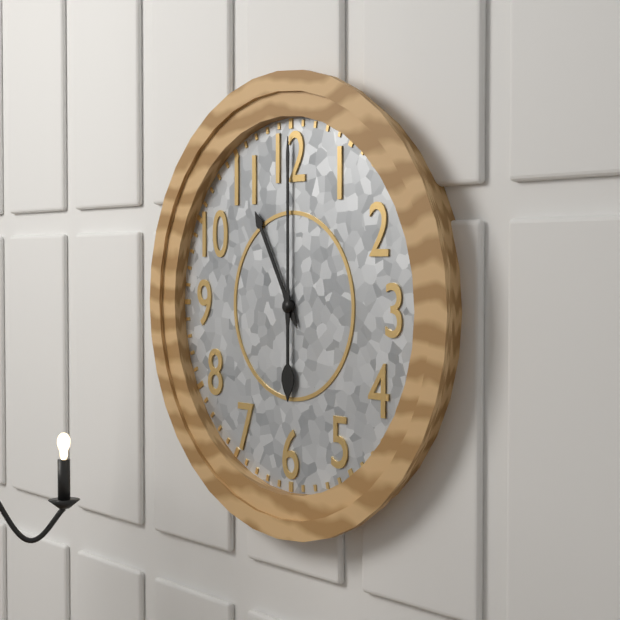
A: 11:00
